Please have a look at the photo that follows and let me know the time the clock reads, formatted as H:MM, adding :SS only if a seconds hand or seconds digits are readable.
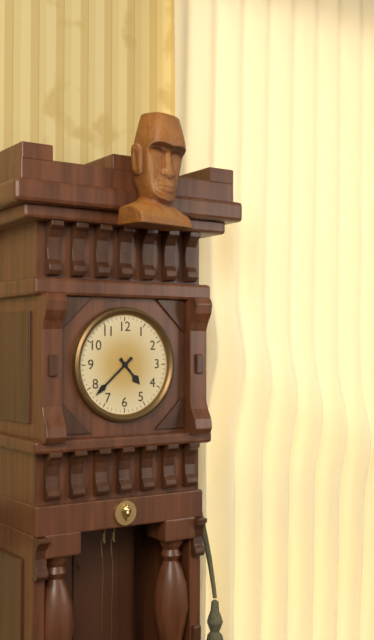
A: 4:38
